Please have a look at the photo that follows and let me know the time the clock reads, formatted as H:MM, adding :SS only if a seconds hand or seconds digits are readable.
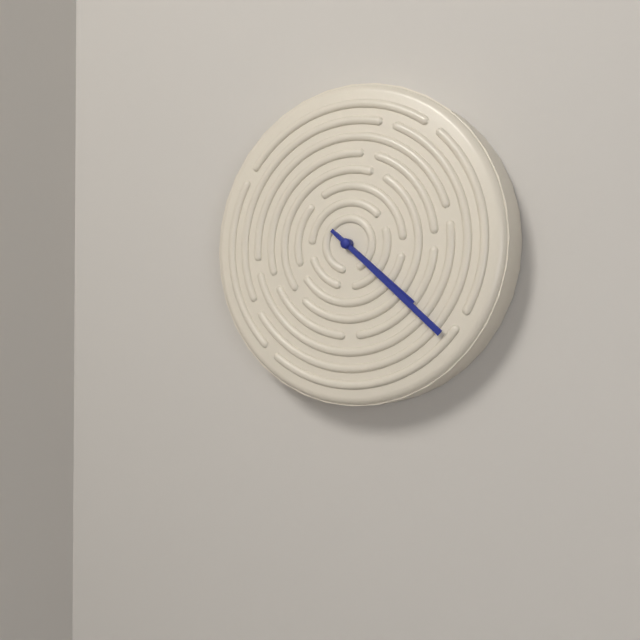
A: 4:22
